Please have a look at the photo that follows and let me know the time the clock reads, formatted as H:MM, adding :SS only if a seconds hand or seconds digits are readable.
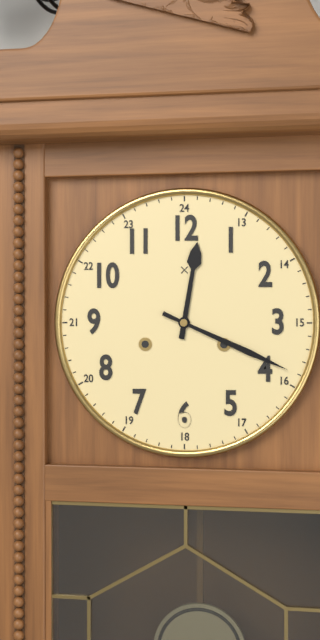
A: 12:19
